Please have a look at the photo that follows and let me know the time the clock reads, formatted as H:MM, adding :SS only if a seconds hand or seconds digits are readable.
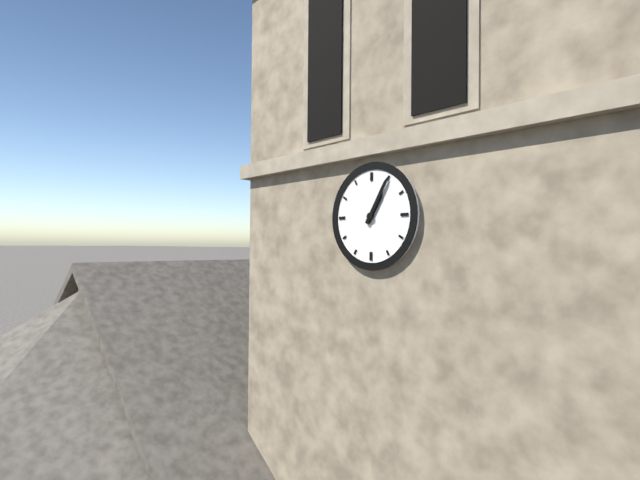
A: 1:05
